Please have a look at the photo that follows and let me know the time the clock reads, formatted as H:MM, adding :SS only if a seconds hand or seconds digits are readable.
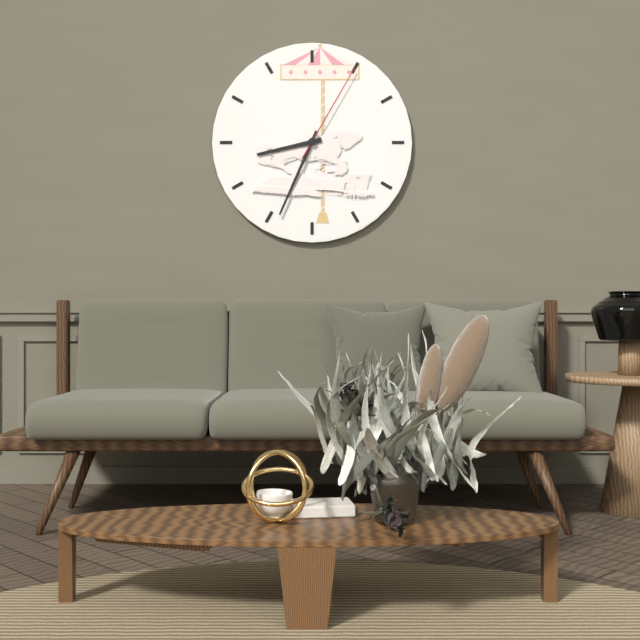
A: 8:34:05
